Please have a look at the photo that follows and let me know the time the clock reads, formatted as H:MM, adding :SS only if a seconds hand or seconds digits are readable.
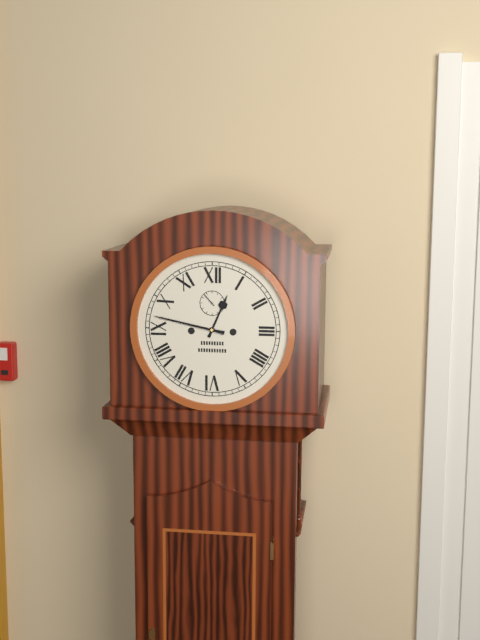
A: 12:47
